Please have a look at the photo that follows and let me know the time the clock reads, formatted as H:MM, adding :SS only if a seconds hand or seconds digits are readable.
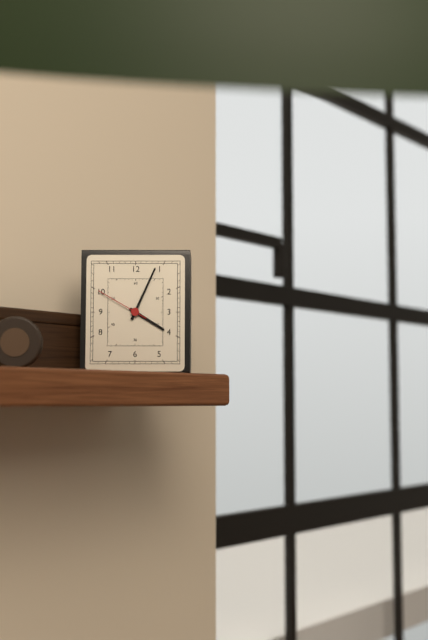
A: 4:04:50
